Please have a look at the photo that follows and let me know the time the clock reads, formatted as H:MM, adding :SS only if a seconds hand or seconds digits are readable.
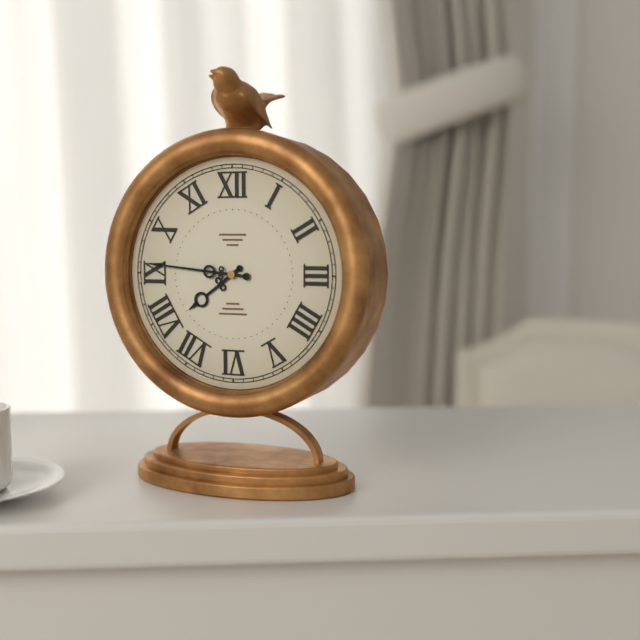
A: 7:46
